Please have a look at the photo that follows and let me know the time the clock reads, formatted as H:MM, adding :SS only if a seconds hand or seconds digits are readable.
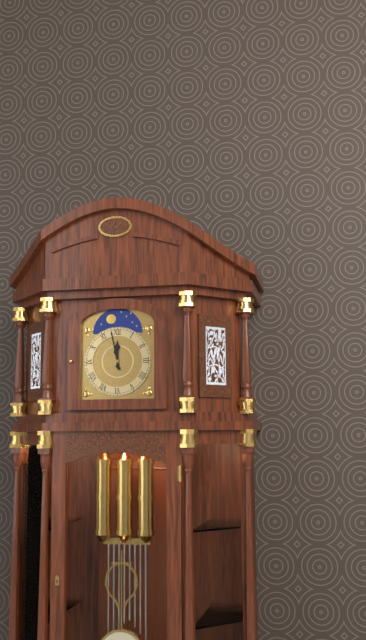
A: 11:58
